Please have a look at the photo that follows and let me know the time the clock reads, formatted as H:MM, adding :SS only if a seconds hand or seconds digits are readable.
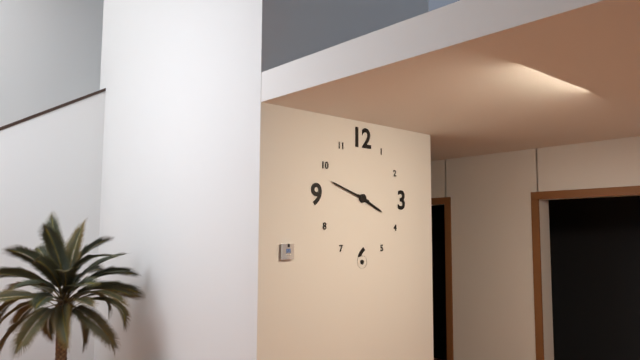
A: 3:48
